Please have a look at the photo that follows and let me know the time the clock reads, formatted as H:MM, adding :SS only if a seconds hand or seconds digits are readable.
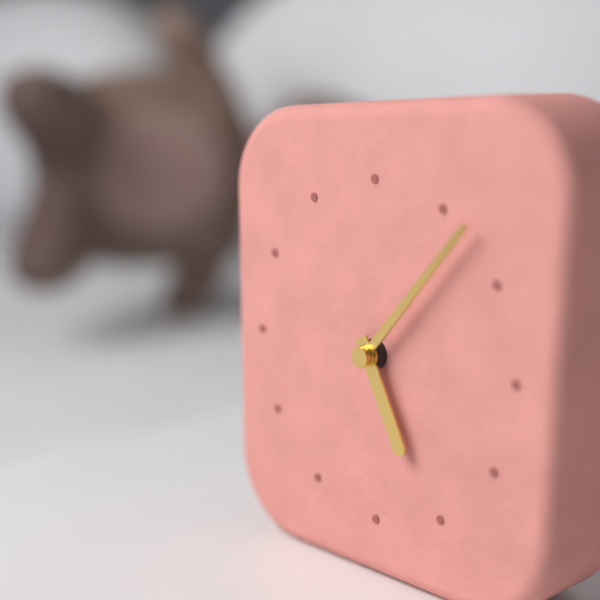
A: 5:07
